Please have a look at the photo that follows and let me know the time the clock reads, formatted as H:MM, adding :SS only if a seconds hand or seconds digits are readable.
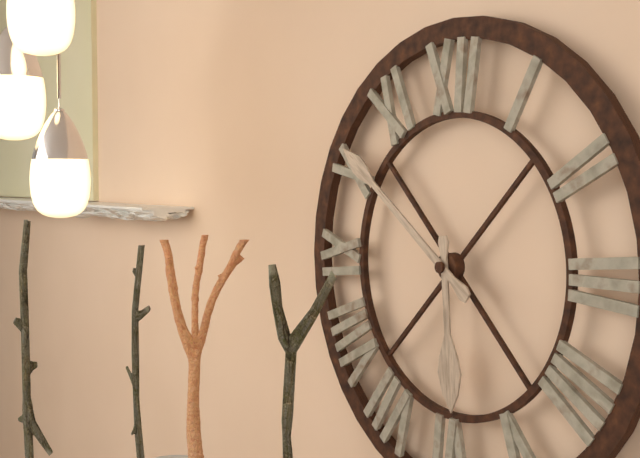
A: 5:51
